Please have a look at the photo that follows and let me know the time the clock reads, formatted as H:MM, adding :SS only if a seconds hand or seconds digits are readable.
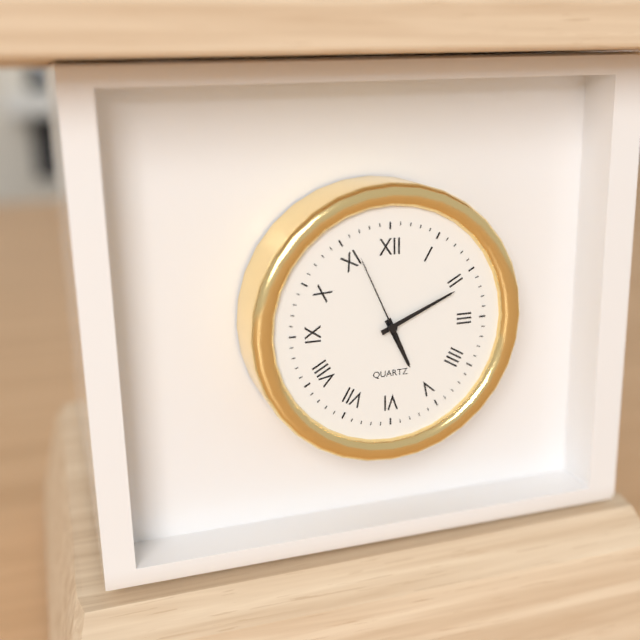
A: 5:11:56
